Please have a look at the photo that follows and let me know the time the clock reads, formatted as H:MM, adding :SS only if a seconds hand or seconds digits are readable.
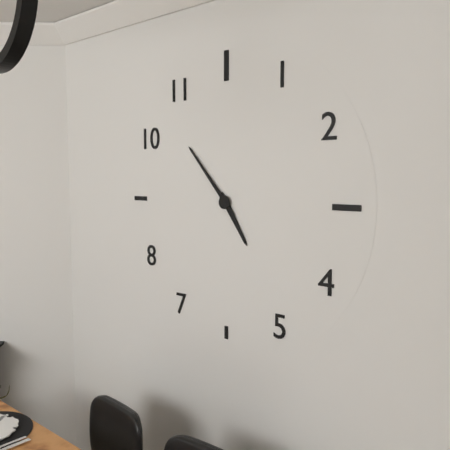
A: 4:53
